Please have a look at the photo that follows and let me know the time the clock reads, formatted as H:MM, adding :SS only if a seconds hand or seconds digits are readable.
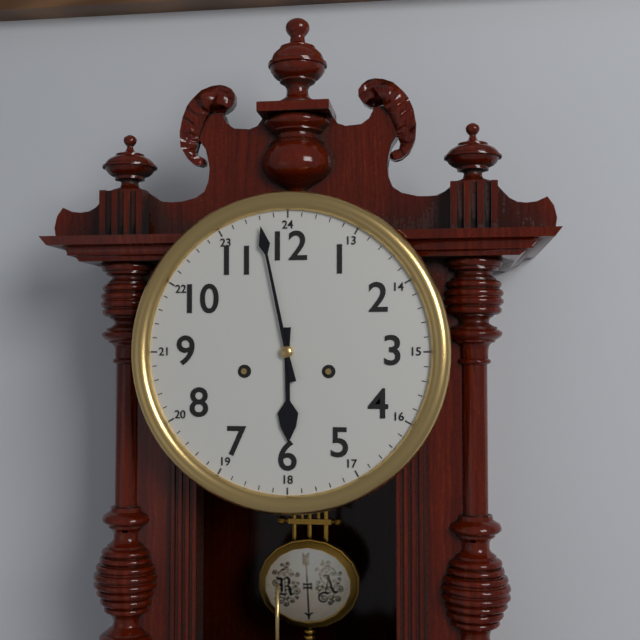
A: 5:58
